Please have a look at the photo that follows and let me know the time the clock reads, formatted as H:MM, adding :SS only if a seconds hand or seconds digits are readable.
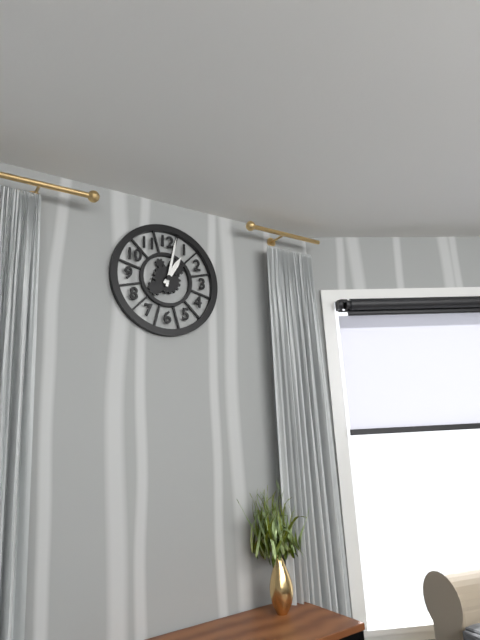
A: 1:02
